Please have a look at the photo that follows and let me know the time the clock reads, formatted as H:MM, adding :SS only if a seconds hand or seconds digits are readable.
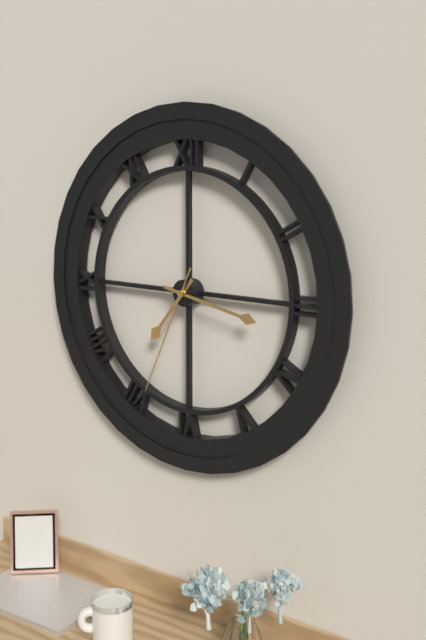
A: 7:17:34
